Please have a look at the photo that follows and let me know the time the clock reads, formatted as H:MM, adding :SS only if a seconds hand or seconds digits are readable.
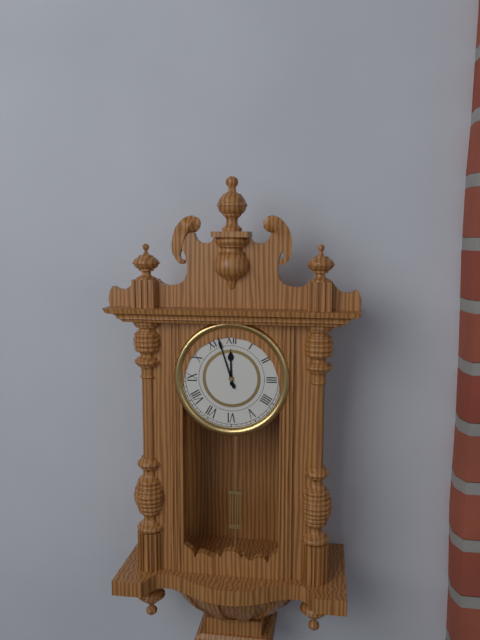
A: 11:57
